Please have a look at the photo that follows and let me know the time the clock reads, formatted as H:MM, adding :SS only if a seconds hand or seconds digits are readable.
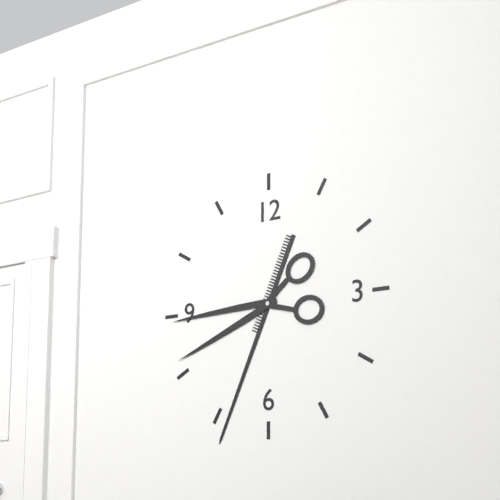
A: 8:34
